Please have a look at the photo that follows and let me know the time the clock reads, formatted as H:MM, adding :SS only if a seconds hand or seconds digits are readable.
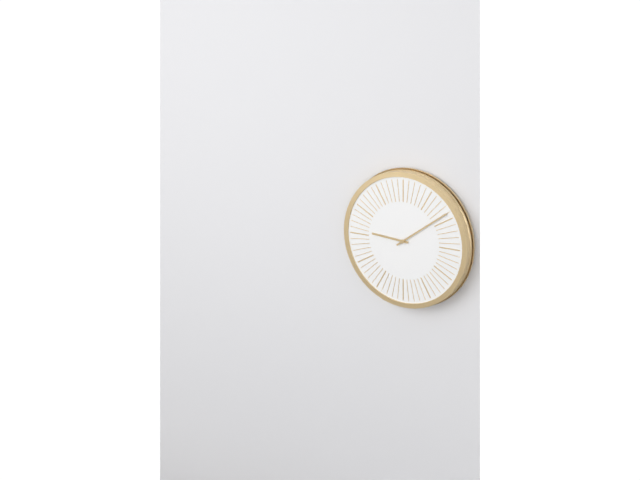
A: 9:09
